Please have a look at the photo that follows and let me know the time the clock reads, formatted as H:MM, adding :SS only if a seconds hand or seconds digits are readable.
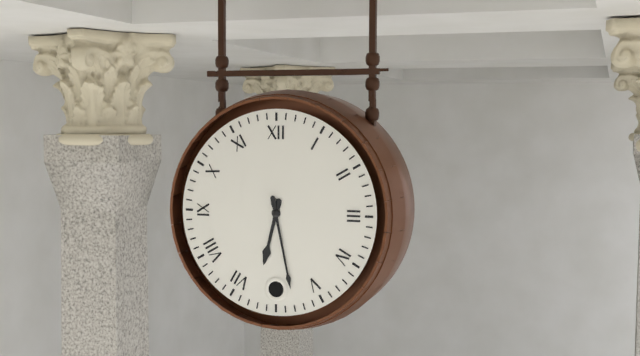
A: 6:28
